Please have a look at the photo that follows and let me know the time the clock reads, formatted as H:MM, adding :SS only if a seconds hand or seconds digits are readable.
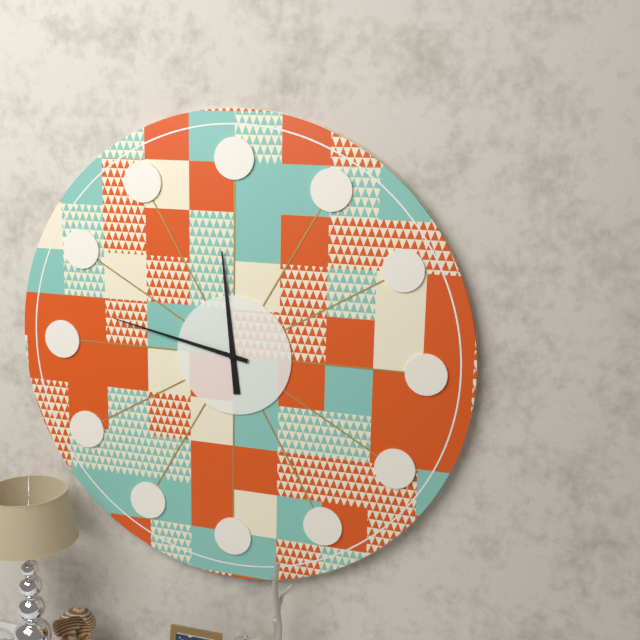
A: 11:47
